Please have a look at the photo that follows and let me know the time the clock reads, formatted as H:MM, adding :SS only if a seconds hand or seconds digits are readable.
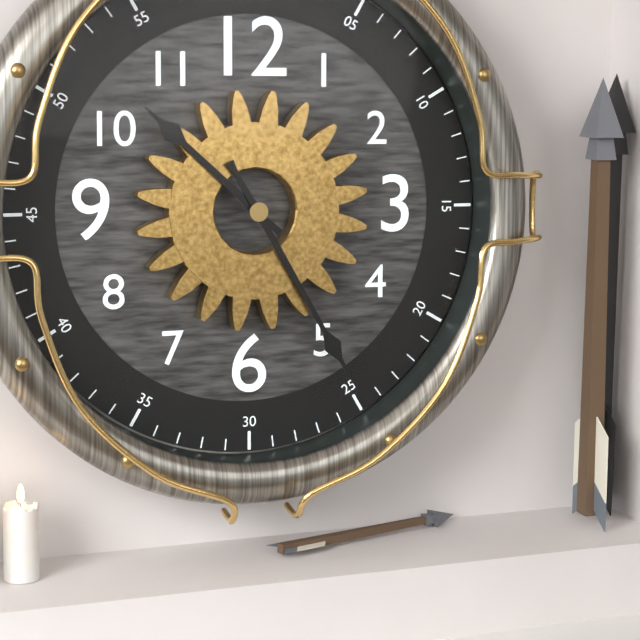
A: 10:25
